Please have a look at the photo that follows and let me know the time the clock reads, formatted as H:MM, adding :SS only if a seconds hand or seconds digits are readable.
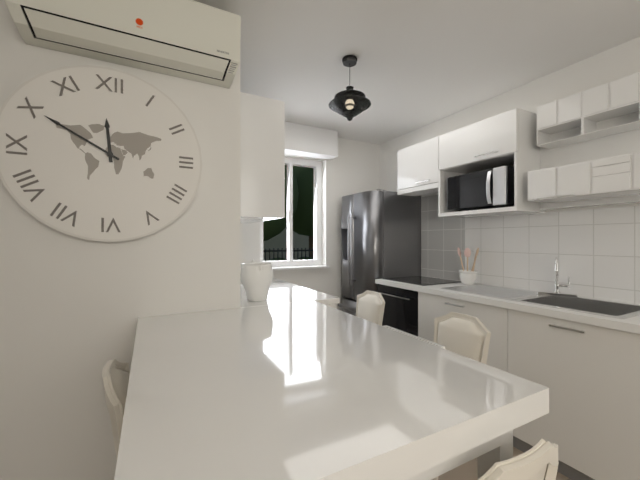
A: 11:50
